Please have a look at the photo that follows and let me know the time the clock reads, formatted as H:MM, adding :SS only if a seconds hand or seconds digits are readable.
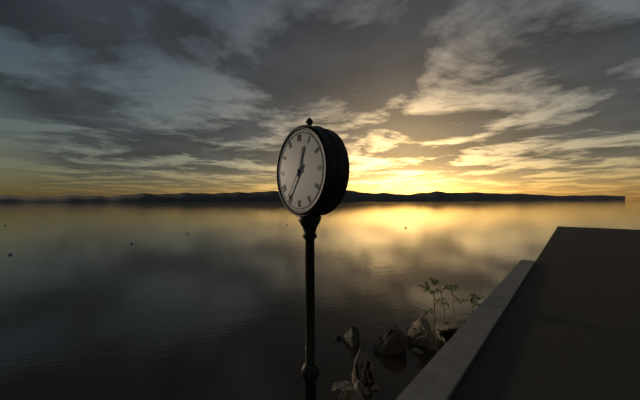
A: 12:36
